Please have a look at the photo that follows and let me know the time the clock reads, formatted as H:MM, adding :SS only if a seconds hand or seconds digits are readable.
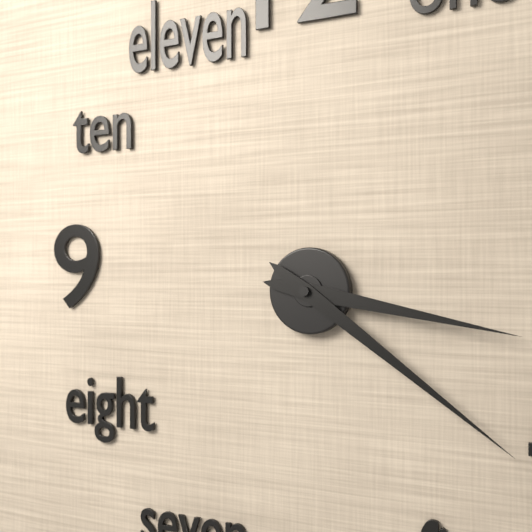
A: 3:21
